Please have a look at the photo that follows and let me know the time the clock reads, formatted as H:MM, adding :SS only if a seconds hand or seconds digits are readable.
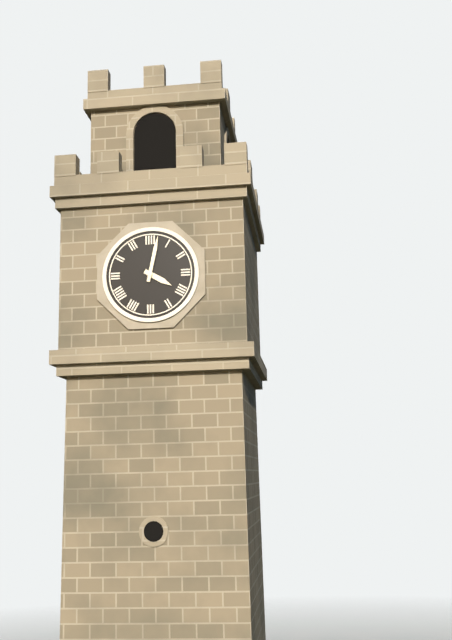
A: 4:02
